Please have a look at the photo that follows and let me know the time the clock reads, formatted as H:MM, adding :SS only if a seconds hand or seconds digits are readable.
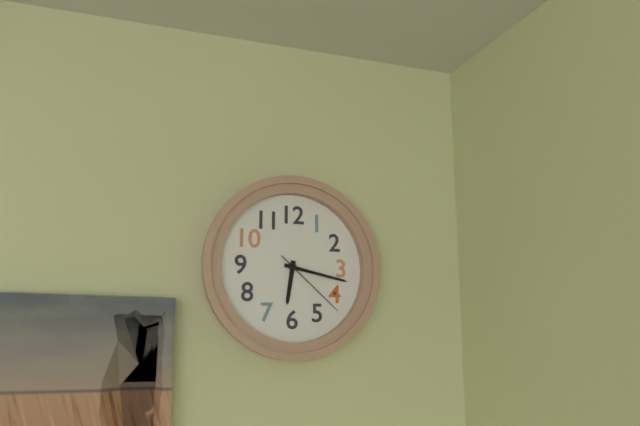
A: 6:17:22
